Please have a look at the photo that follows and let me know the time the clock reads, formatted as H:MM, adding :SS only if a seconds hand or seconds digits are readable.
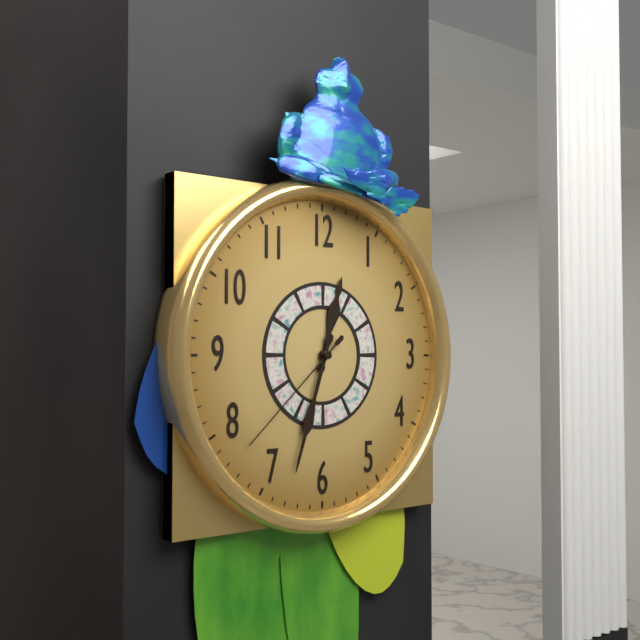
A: 12:33:38
